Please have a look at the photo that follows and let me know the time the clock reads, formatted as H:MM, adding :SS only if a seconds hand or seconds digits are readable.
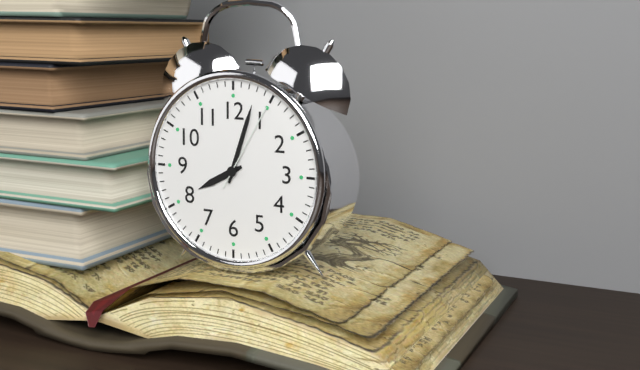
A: 8:03:05
